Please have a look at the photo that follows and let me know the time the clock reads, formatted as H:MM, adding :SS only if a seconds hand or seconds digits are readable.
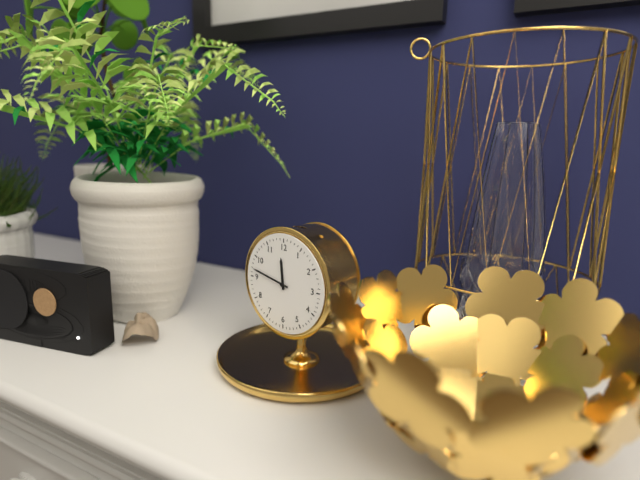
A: 11:47
